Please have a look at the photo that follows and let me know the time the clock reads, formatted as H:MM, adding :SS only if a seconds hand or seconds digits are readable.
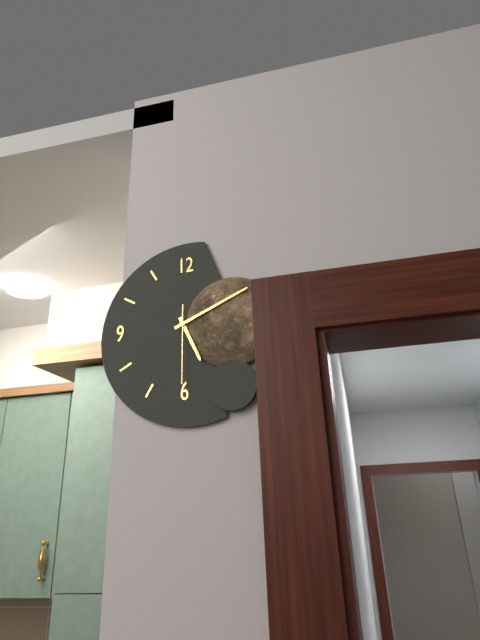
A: 5:11:30
